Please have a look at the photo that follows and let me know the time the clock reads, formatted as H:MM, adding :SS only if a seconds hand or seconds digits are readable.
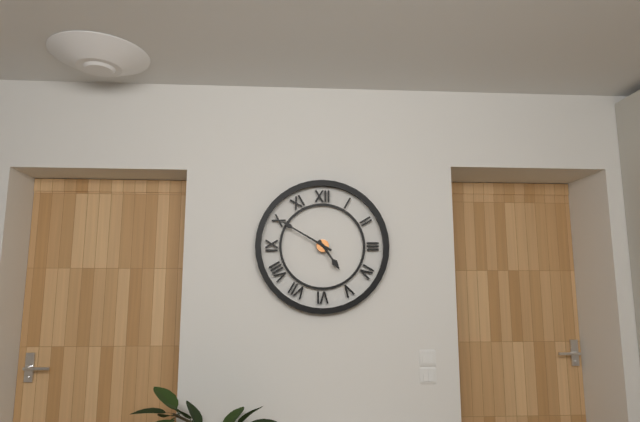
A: 4:50
